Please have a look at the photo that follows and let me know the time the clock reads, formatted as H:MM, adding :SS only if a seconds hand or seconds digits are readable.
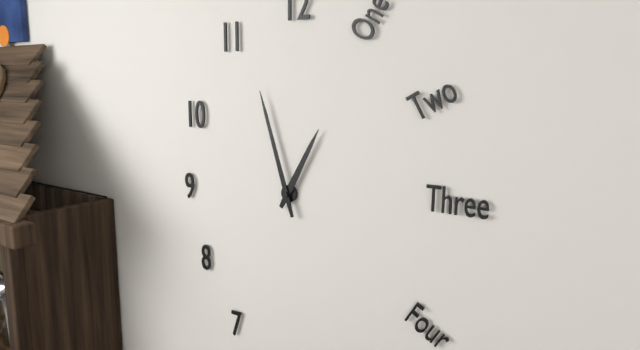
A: 12:57
